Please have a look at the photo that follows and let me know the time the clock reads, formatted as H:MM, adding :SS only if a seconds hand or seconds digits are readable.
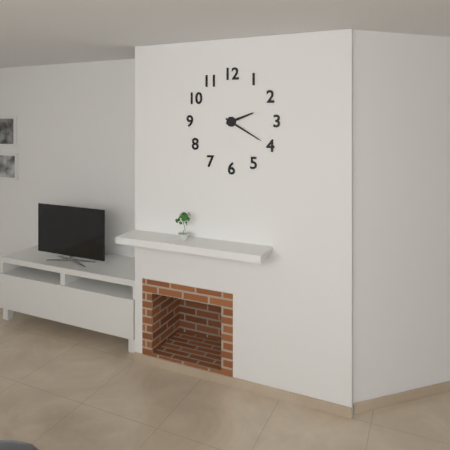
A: 2:20
